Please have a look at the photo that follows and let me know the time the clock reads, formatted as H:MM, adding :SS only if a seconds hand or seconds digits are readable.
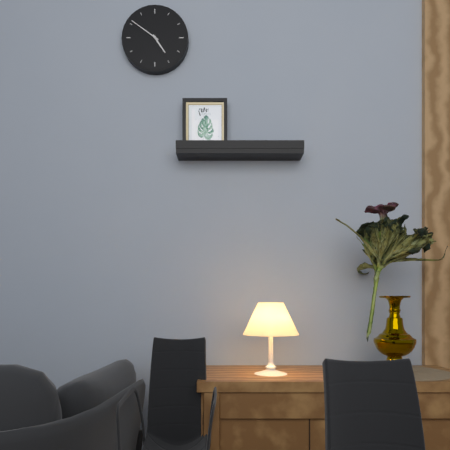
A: 4:51
